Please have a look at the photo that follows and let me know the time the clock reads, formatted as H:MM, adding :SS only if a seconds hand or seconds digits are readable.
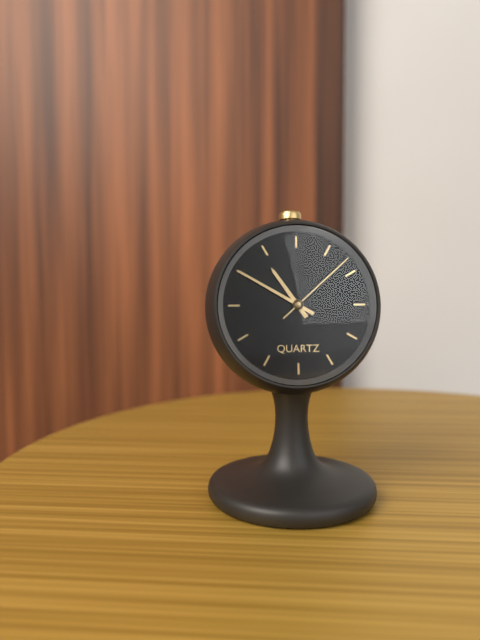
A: 10:50:08
